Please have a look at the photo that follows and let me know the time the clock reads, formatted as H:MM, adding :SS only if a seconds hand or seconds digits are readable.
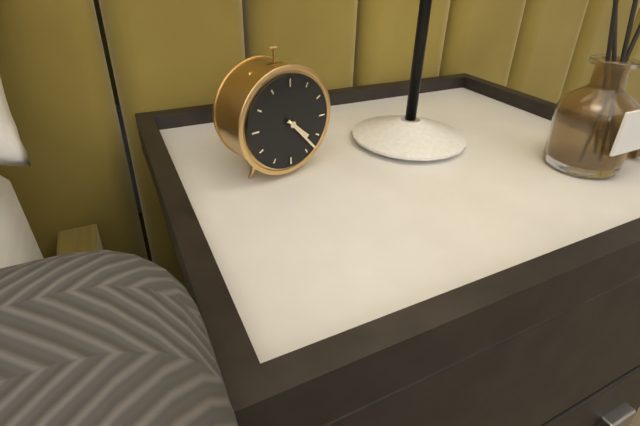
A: 4:23
